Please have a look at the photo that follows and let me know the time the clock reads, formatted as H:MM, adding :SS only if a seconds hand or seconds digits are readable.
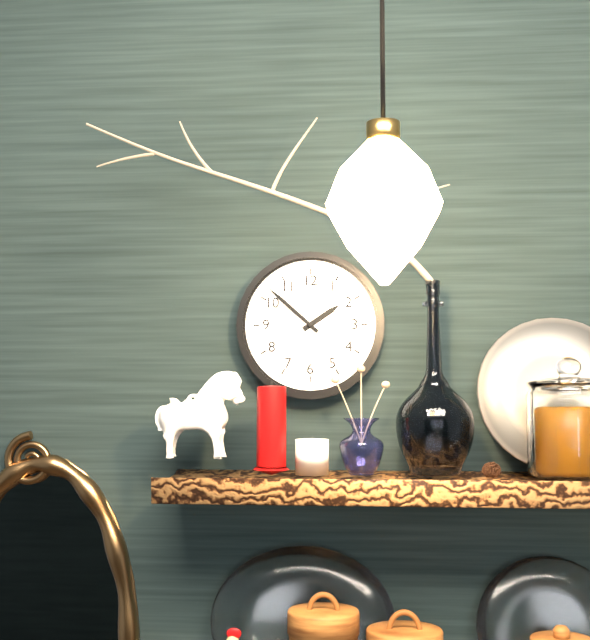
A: 1:52
